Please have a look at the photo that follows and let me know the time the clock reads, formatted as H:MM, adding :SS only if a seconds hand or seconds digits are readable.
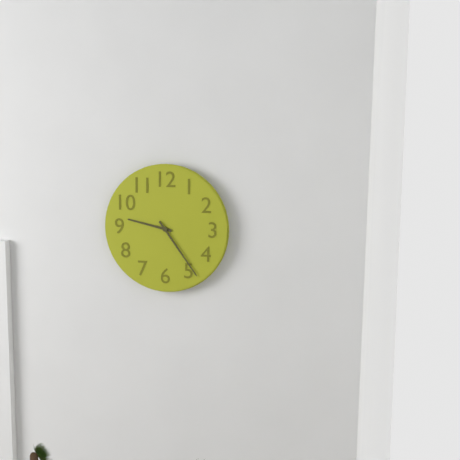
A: 9:24
